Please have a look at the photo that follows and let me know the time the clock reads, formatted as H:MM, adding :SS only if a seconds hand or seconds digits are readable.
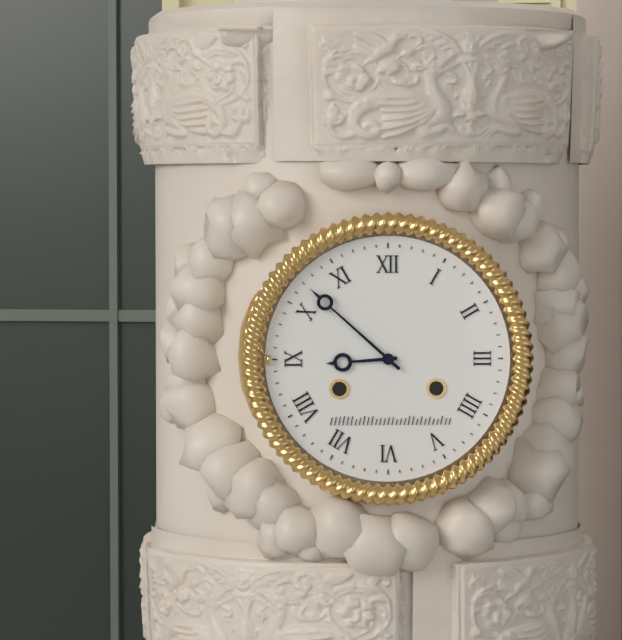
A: 8:52
